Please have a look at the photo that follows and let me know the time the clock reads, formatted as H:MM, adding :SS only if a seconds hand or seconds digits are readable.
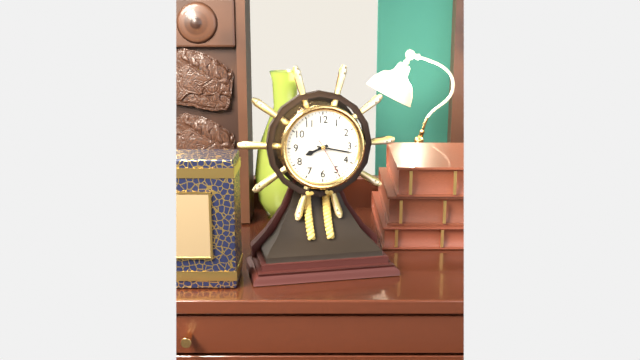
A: 8:17
